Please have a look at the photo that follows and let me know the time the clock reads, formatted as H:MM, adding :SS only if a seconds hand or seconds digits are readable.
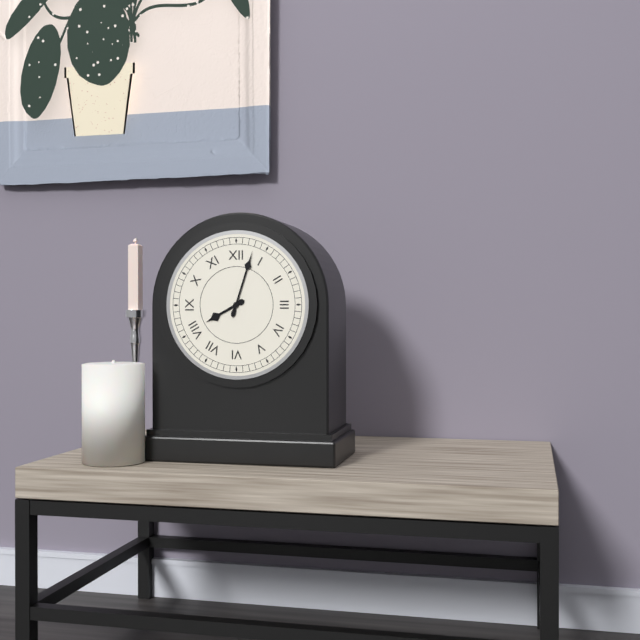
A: 8:03
